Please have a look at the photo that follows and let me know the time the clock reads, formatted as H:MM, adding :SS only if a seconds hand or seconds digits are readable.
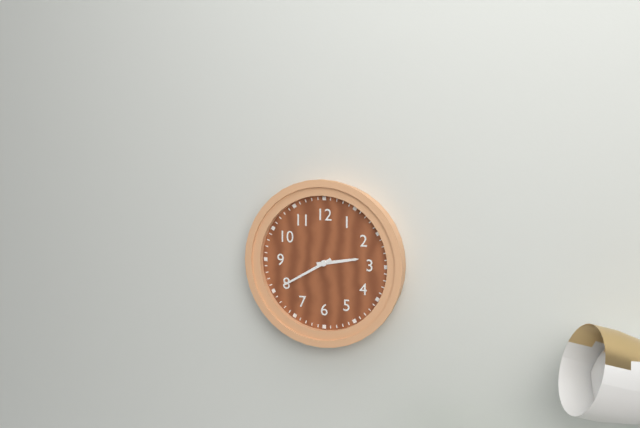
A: 2:40
